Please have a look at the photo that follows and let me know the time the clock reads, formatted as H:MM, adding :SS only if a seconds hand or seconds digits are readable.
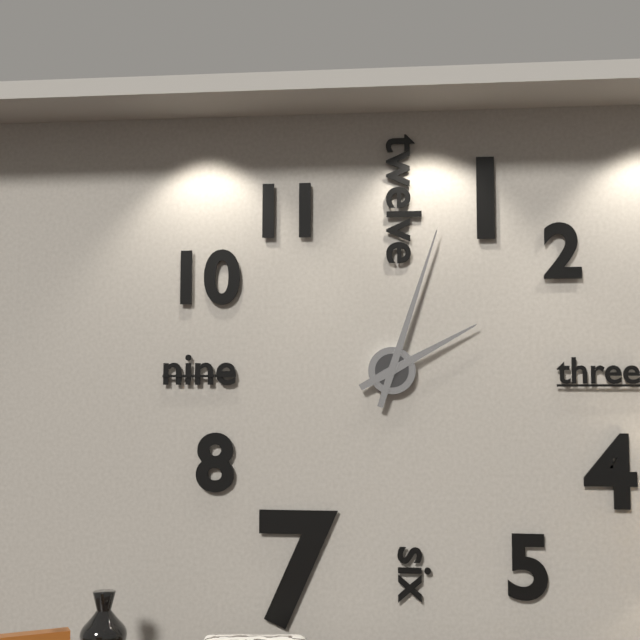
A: 2:03
